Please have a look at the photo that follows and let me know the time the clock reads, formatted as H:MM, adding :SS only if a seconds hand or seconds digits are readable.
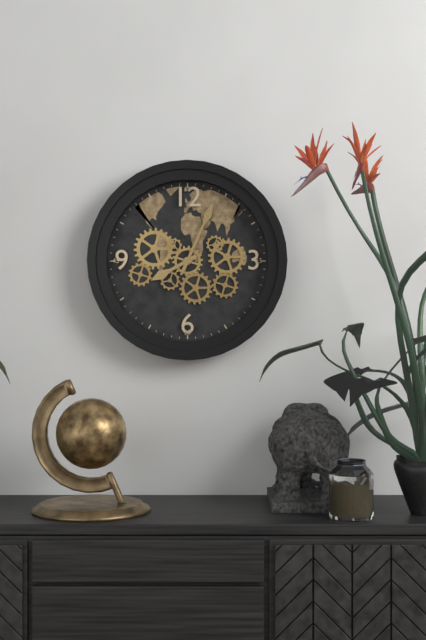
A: 8:04
